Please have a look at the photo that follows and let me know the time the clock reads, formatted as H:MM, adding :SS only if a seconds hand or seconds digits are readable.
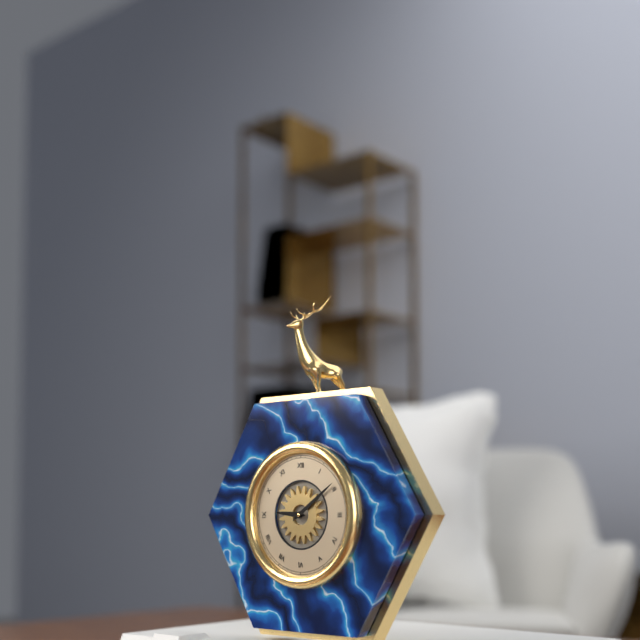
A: 9:09
